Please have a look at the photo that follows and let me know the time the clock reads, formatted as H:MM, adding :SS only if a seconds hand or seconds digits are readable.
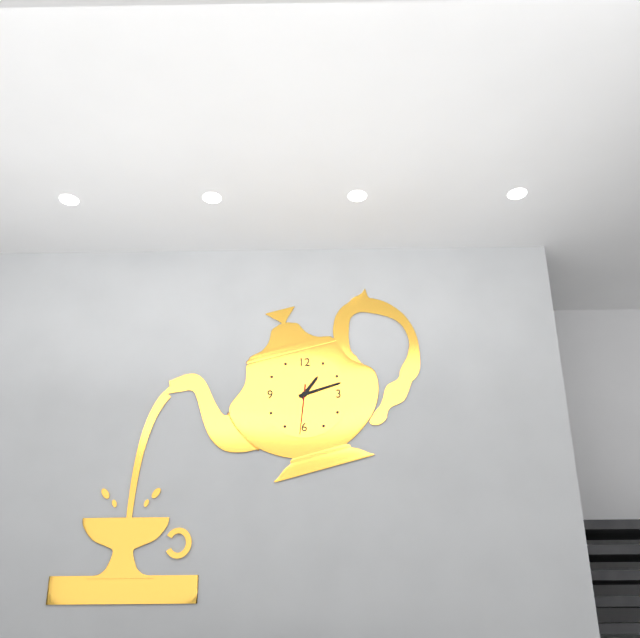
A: 1:12
